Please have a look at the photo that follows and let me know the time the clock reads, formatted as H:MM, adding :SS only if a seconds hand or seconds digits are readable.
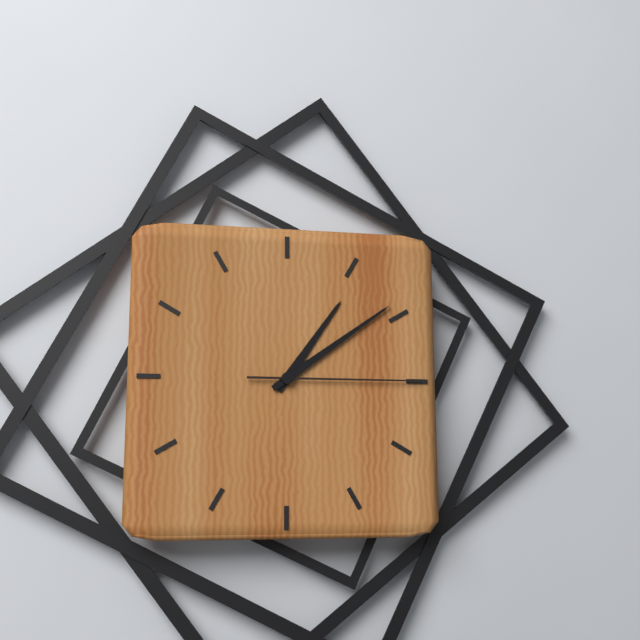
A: 1:09:15
